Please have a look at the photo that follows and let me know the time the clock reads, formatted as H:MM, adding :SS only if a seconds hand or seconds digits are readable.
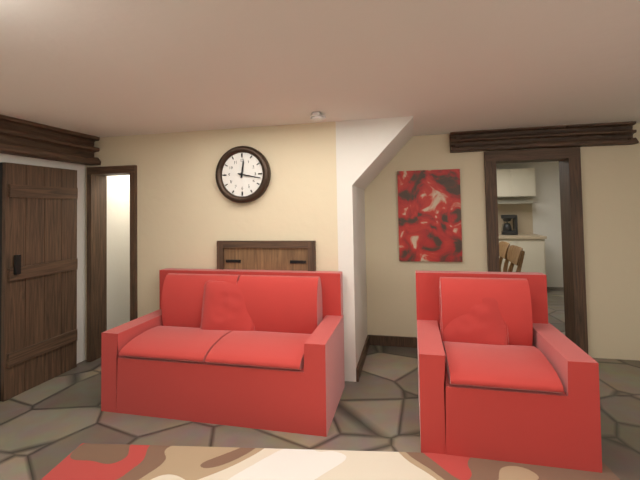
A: 12:17
